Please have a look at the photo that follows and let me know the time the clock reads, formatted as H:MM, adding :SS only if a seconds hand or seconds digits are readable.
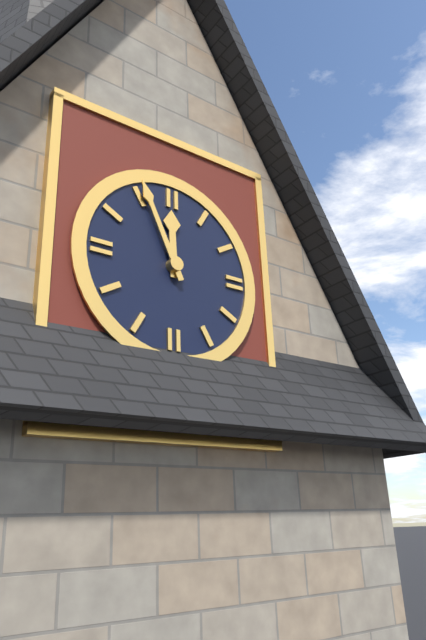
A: 11:56
